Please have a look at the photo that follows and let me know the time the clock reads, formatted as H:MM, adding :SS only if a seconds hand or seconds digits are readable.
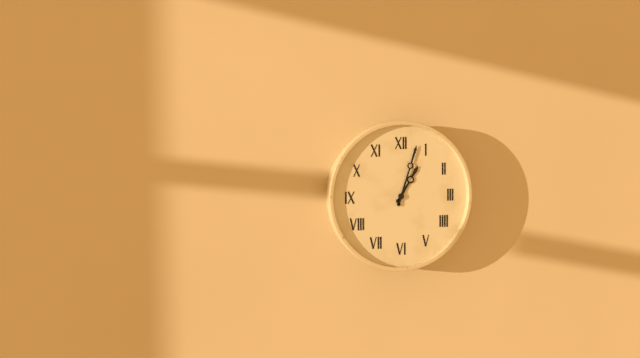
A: 1:03
